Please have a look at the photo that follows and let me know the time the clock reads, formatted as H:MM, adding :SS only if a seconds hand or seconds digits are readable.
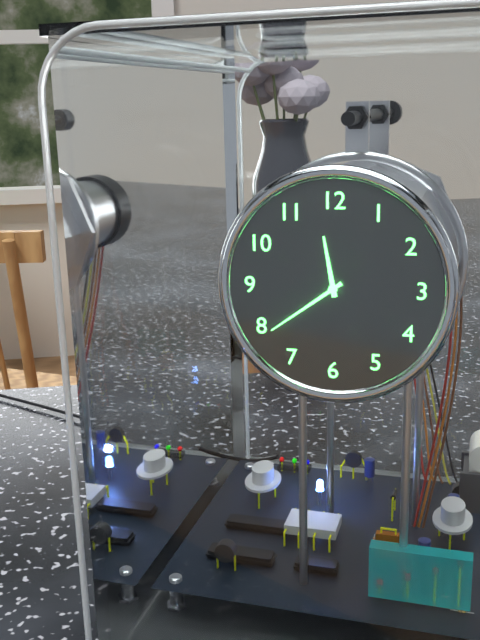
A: 11:39
